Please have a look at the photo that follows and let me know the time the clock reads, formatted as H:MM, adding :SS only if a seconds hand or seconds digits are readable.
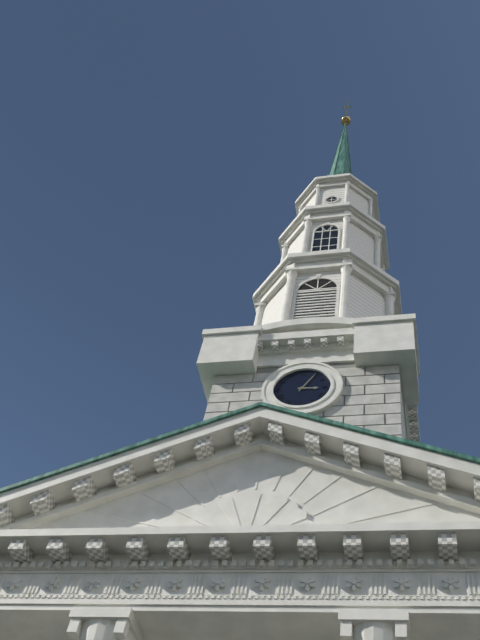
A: 3:05
